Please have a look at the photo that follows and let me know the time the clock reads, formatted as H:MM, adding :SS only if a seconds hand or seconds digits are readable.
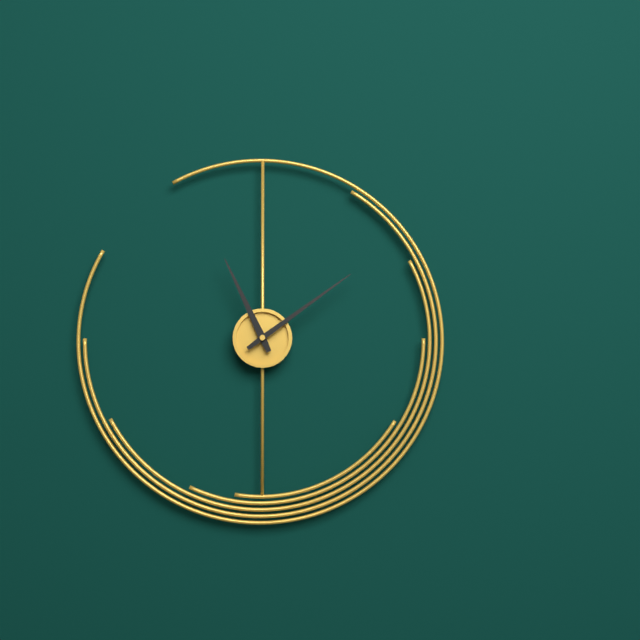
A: 11:09
